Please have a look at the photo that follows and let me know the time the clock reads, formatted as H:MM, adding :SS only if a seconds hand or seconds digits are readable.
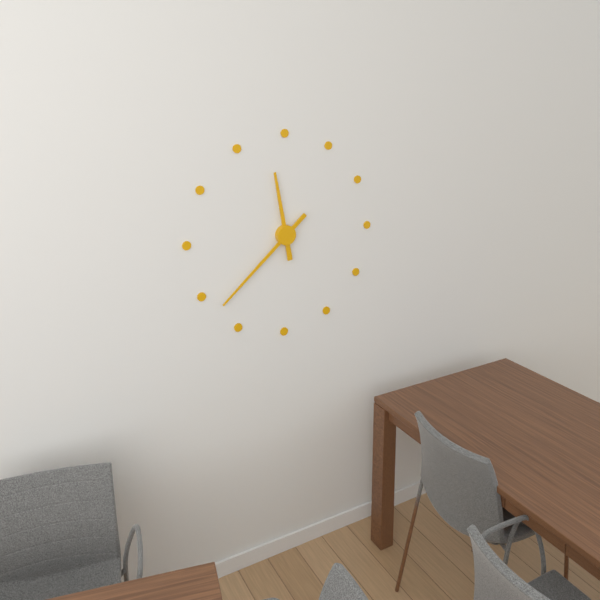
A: 11:38
